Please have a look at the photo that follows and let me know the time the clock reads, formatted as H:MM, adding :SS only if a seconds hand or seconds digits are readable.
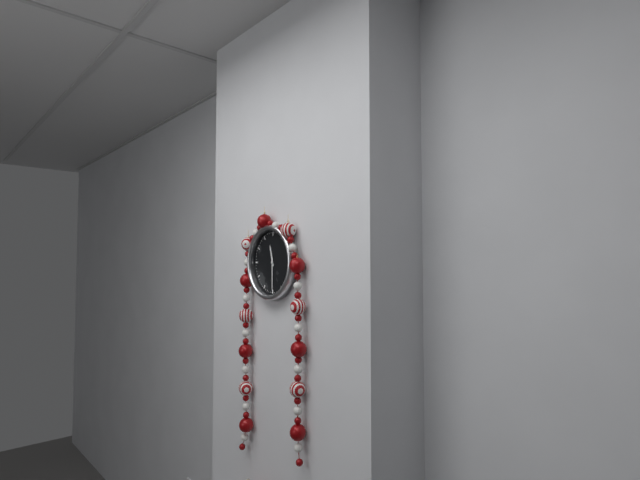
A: 11:30
